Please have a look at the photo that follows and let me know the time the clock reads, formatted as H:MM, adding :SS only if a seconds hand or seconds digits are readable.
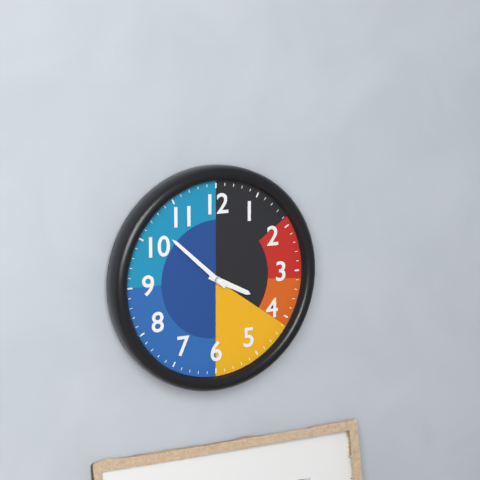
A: 3:52
